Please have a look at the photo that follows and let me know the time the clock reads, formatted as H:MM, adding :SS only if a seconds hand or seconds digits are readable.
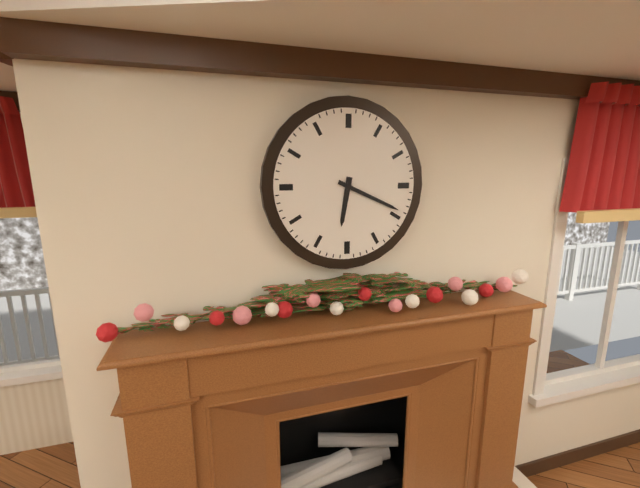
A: 6:19
